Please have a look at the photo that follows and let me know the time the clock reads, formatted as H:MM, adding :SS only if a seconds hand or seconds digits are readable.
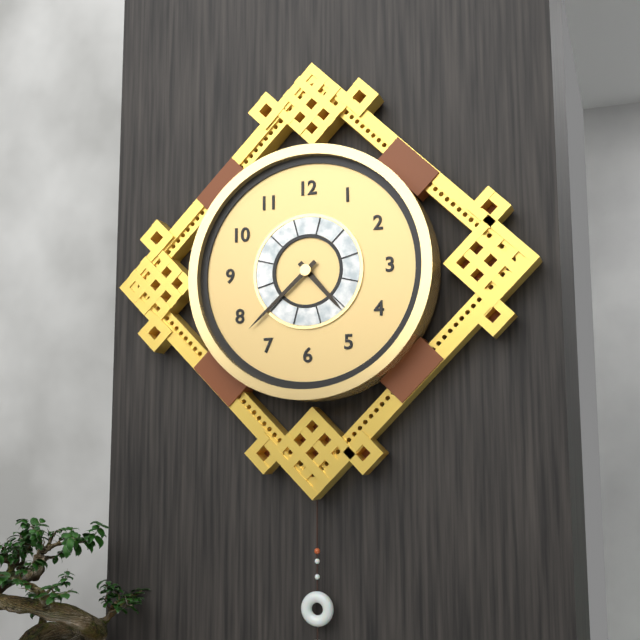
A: 4:38
